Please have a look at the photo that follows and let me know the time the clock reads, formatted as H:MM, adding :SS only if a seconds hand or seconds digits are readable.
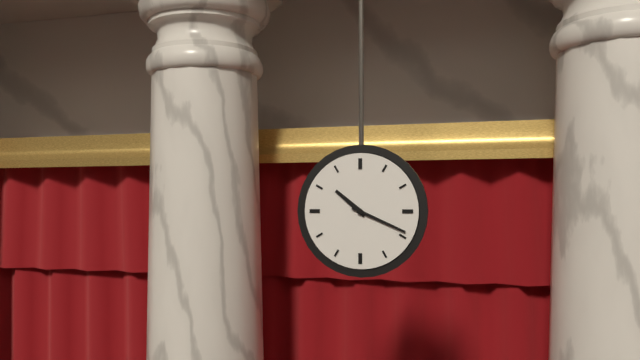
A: 10:19
